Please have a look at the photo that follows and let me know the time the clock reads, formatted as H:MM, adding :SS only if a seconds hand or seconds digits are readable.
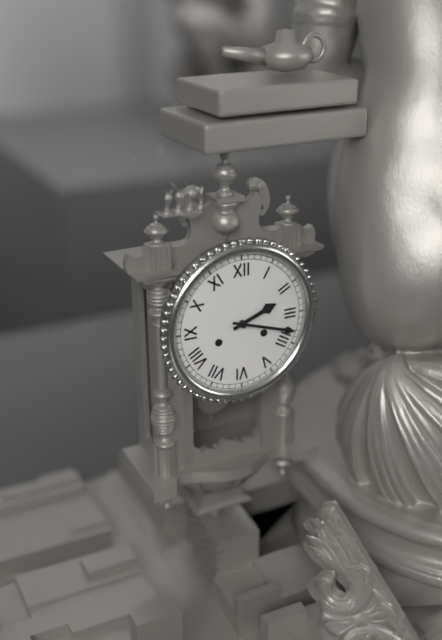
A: 2:18
